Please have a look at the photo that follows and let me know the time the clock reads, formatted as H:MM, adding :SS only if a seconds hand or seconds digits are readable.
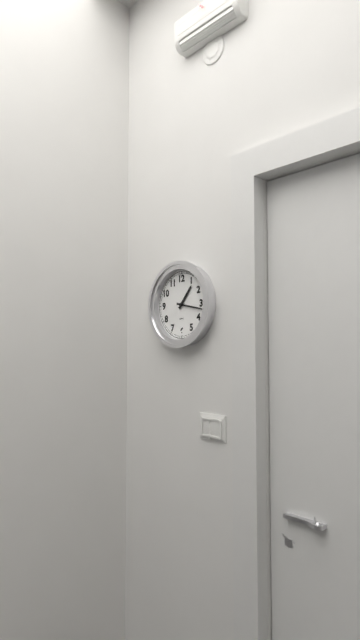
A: 1:17
